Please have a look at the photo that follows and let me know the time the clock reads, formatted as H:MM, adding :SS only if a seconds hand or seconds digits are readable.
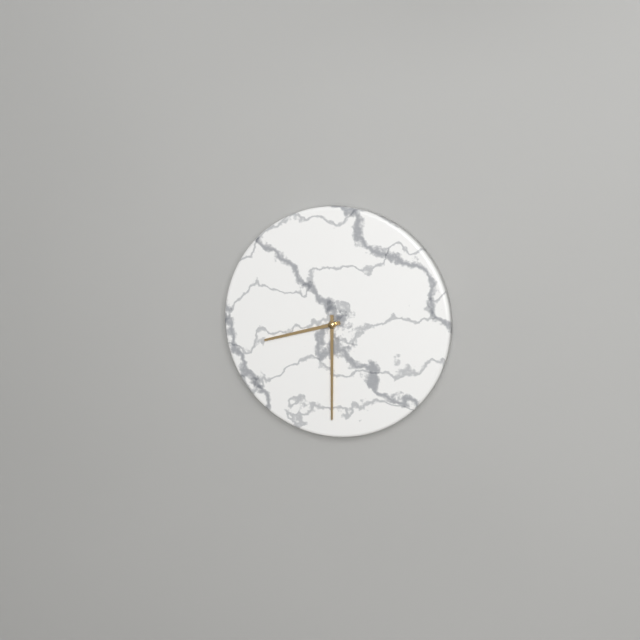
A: 8:30
